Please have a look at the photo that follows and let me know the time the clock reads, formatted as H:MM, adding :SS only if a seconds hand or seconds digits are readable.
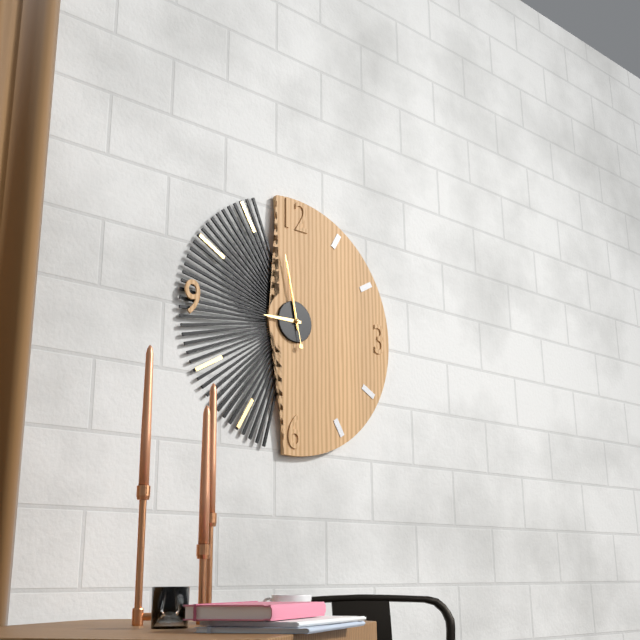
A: 8:58:58
